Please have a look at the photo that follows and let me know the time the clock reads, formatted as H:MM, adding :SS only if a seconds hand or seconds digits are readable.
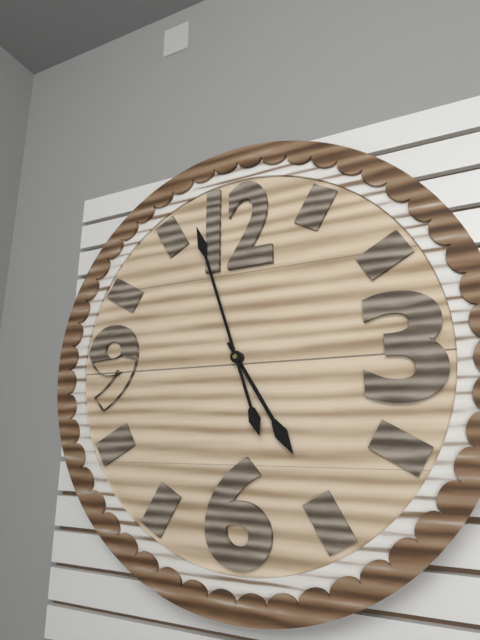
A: 4:57
